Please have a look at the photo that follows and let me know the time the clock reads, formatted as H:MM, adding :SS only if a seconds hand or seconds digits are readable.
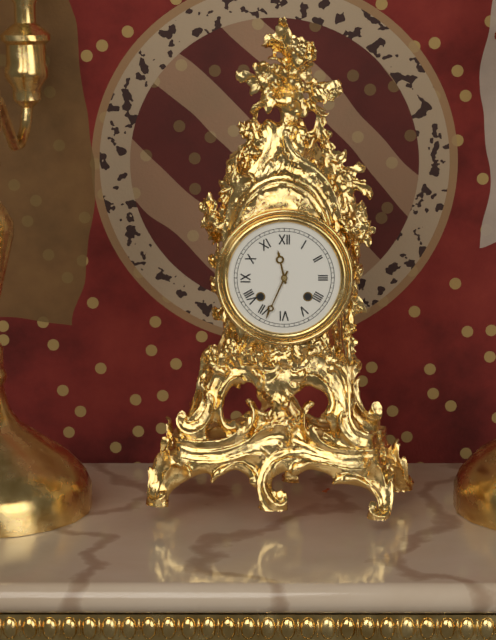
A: 11:34
